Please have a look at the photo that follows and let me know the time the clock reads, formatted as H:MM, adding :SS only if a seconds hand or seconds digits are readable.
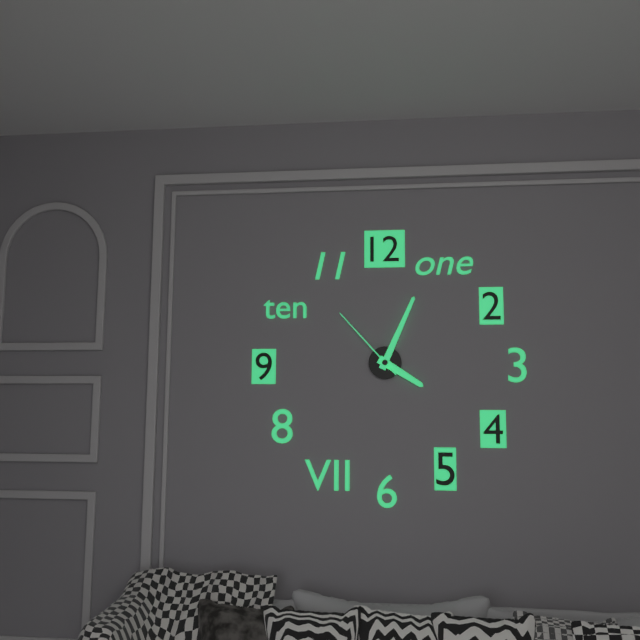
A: 4:04:53
